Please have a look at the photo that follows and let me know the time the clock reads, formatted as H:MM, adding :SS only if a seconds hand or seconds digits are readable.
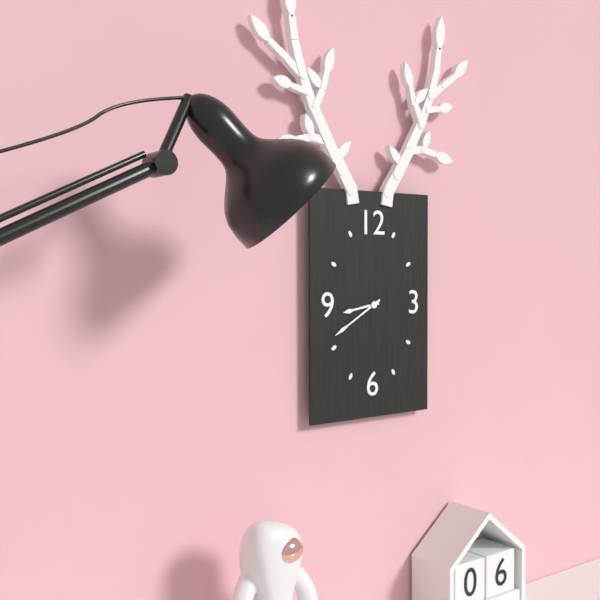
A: 8:40
